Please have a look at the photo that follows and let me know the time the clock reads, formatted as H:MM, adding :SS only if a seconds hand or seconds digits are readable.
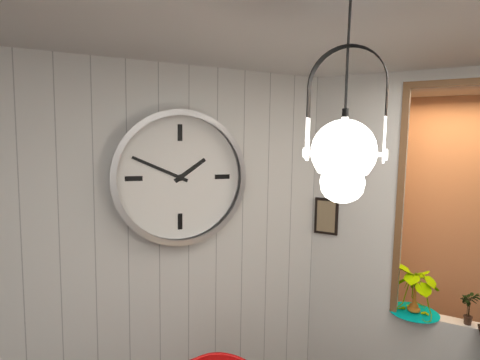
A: 1:49
